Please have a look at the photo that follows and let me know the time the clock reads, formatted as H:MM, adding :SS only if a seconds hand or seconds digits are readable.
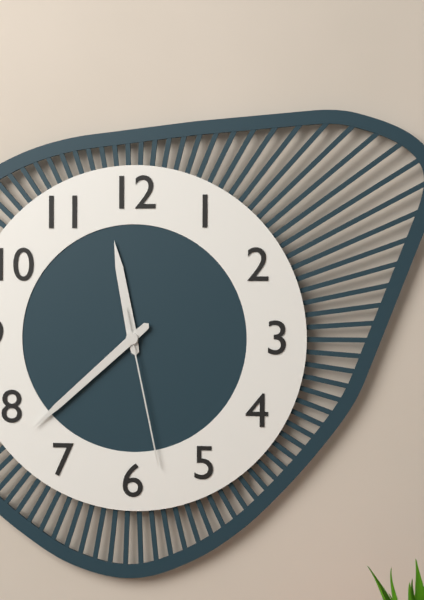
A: 11:38:28
